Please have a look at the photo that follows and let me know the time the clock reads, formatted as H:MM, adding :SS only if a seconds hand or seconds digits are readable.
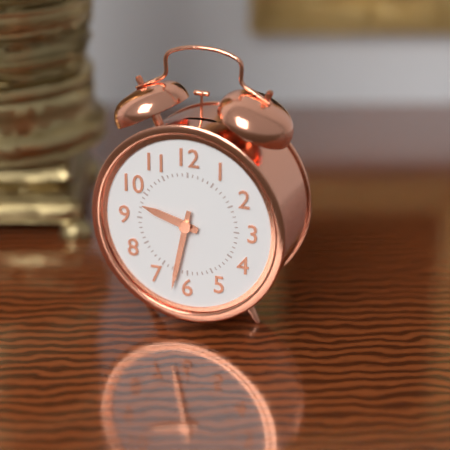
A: 9:32
